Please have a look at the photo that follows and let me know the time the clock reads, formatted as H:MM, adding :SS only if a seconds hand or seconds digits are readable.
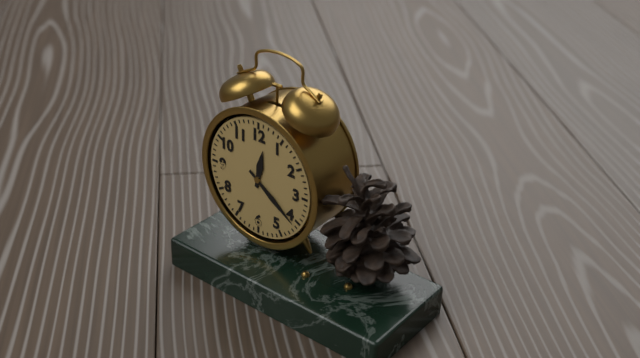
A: 12:21
